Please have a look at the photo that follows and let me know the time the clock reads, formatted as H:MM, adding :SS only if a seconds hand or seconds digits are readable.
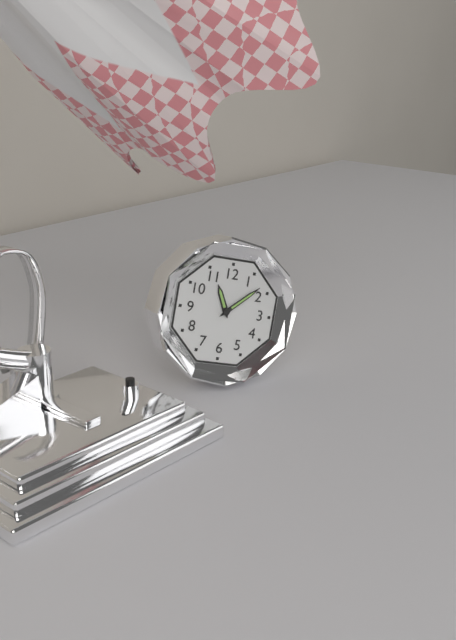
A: 11:08
